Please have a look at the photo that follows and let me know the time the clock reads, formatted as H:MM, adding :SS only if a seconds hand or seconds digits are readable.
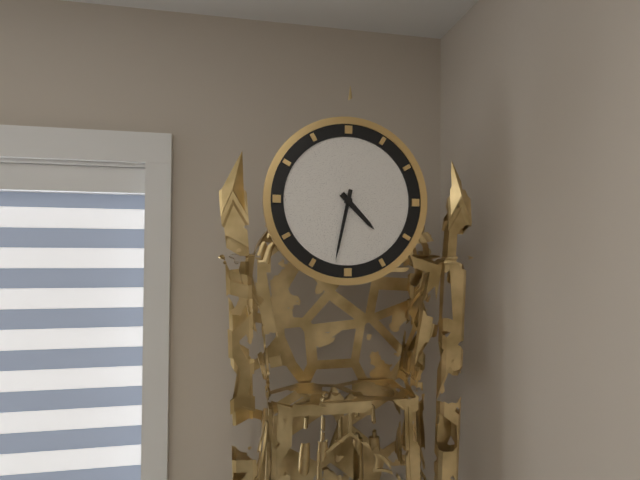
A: 4:32
